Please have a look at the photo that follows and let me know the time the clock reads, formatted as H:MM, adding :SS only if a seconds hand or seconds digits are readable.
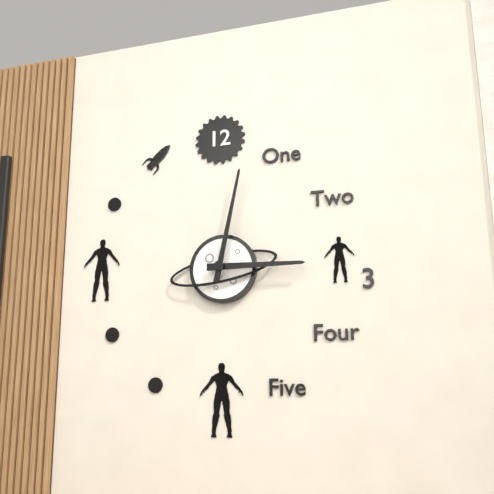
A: 3:02
